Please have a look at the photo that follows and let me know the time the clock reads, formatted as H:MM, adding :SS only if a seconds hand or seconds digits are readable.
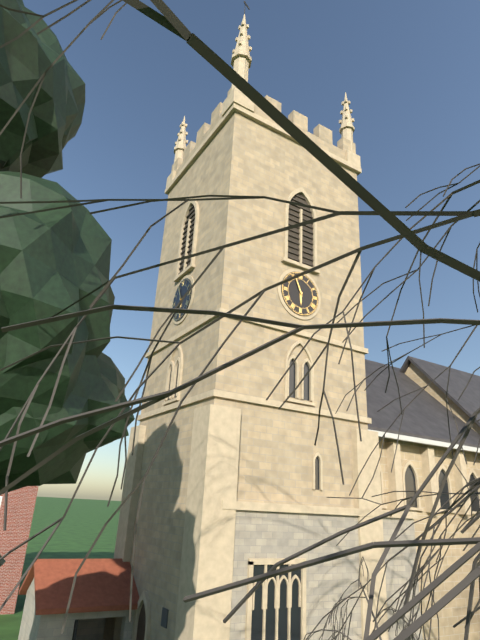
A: 5:56
